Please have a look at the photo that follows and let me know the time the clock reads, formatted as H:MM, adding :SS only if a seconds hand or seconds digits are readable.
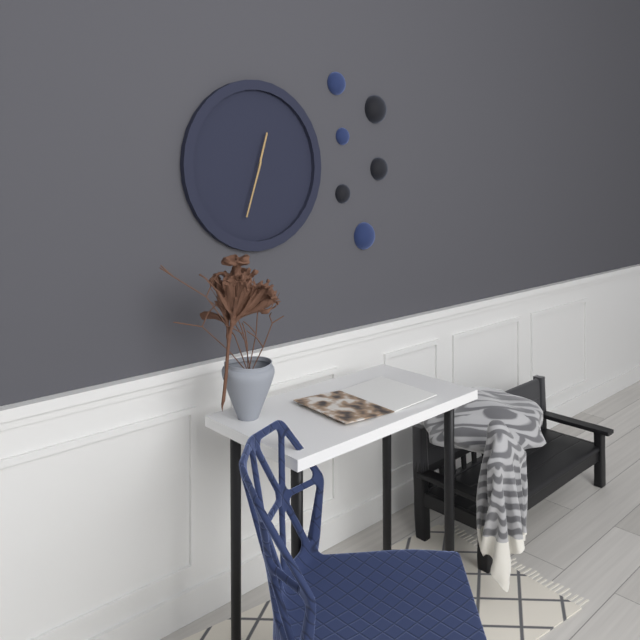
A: 12:33
